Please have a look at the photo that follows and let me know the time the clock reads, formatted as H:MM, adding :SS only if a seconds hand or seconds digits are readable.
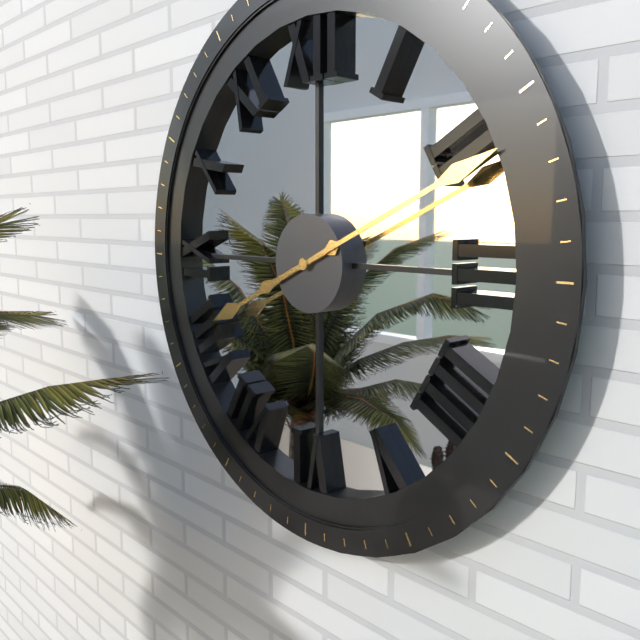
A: 8:11
